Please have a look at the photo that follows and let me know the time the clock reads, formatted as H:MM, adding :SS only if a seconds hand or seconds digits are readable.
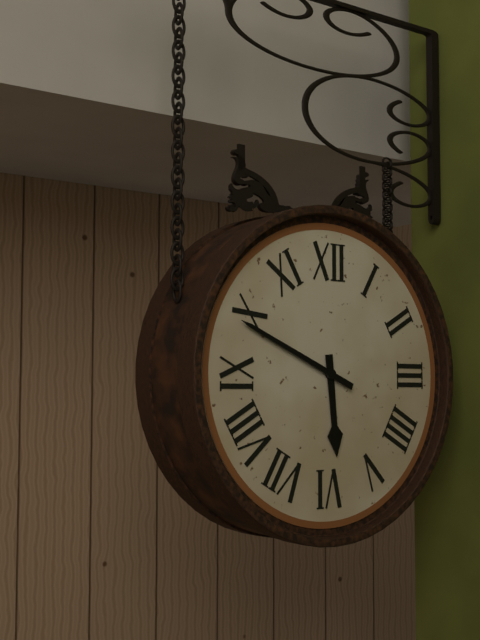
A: 5:49
